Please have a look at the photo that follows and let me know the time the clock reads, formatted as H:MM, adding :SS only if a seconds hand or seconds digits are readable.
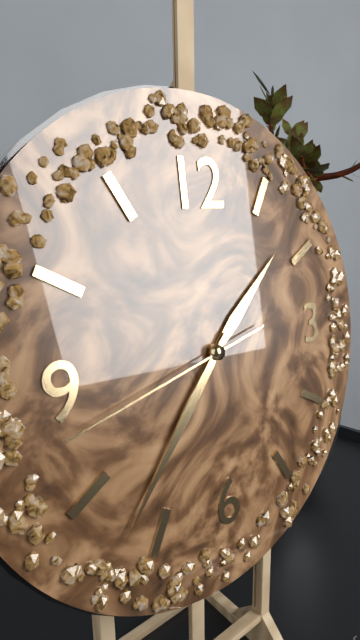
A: 1:37:43
